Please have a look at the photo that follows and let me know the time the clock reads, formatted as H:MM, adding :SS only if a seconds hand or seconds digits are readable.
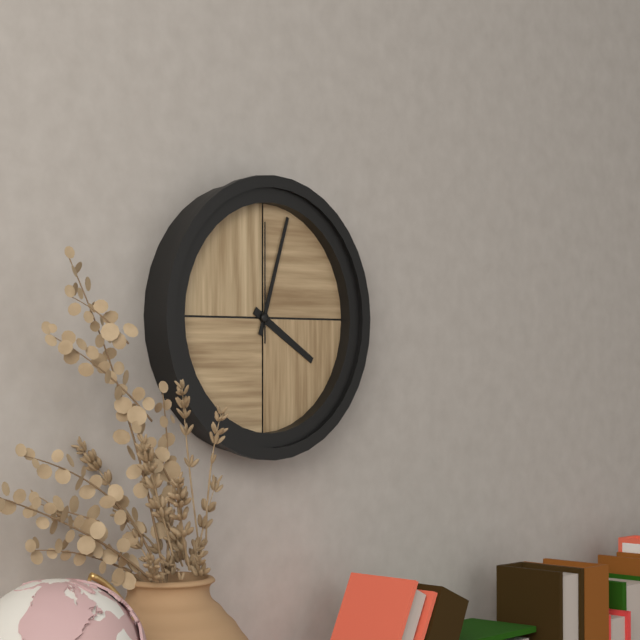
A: 4:03:00
